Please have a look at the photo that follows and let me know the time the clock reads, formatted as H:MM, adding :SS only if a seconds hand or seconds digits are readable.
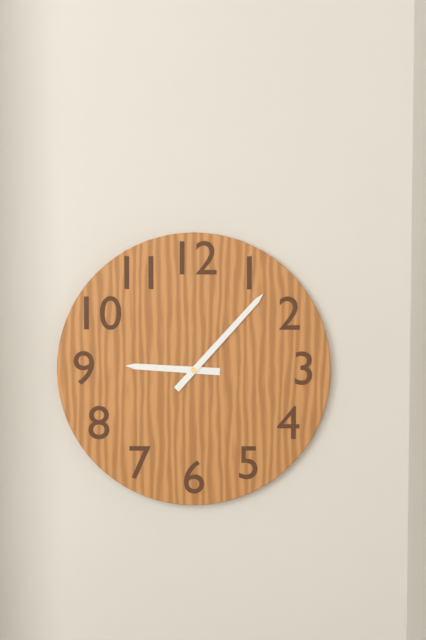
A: 9:07
